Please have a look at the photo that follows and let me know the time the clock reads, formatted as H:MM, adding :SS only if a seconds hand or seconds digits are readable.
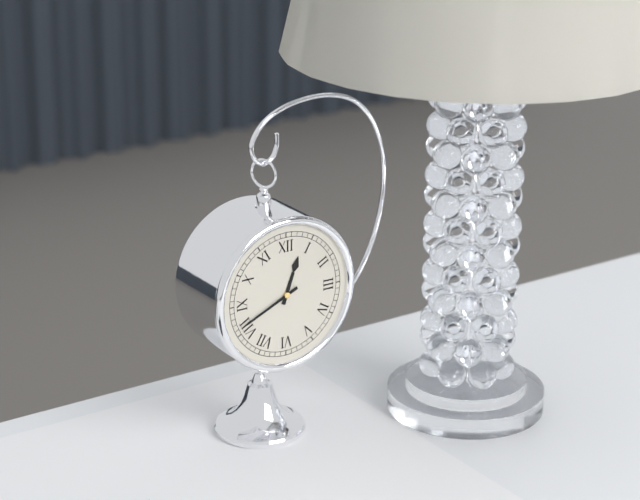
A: 12:41
